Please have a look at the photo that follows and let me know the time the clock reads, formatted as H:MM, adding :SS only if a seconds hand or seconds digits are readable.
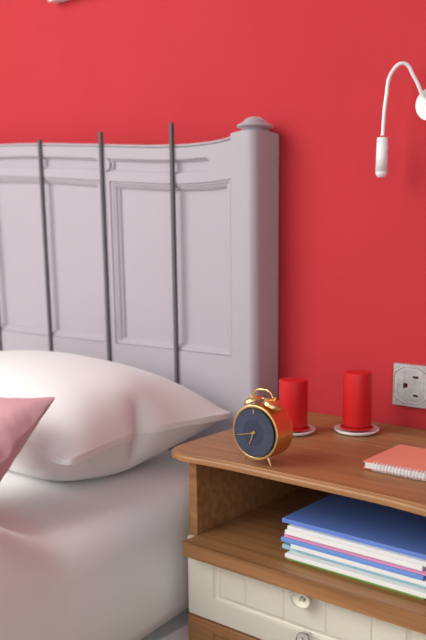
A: 6:43
